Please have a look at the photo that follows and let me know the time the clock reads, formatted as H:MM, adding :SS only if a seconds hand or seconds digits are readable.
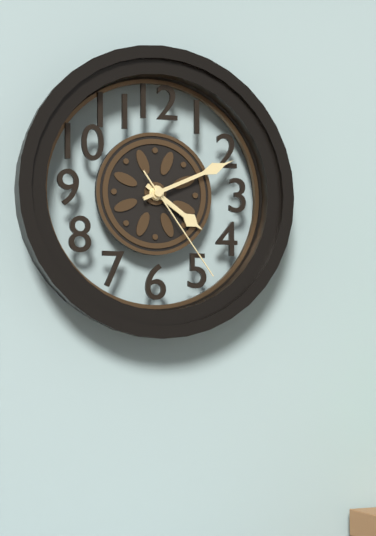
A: 4:11:24
